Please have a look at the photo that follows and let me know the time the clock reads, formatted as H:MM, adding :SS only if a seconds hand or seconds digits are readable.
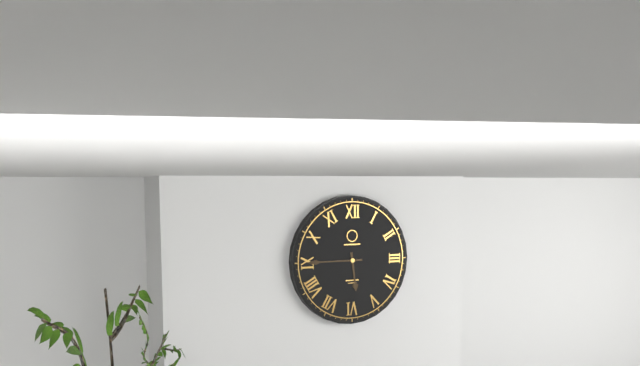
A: 5:45
